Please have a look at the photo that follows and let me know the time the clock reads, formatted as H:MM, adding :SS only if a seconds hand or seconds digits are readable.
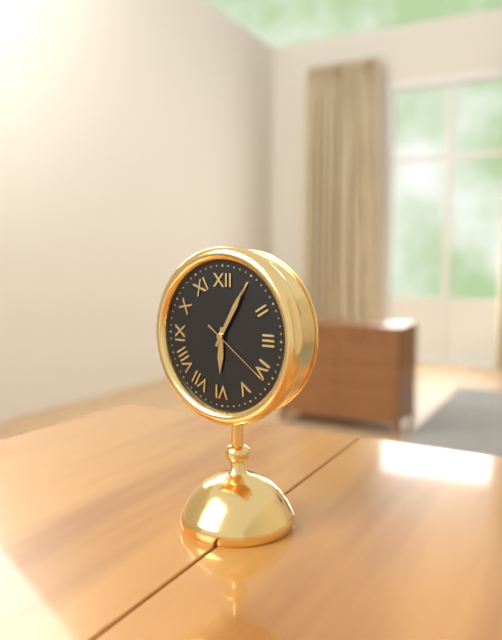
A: 6:05:21
